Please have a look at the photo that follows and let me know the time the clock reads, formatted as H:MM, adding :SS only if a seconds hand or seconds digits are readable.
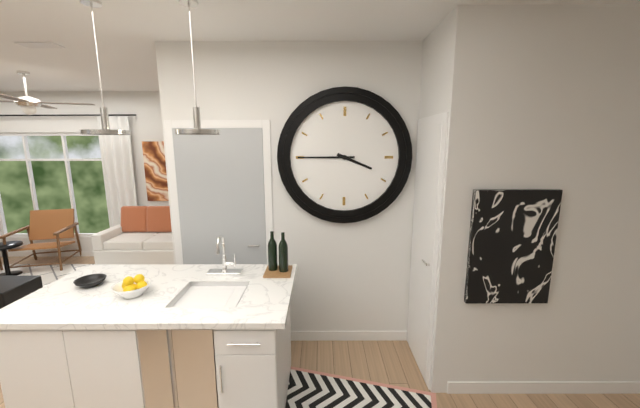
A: 3:45
